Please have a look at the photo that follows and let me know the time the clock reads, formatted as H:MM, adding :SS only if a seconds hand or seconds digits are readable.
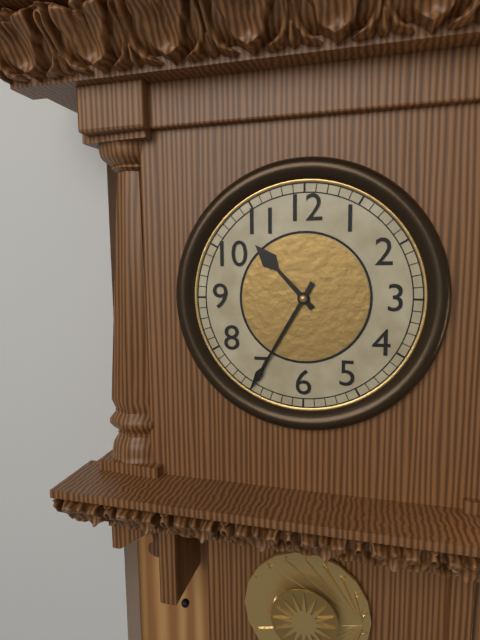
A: 10:35
